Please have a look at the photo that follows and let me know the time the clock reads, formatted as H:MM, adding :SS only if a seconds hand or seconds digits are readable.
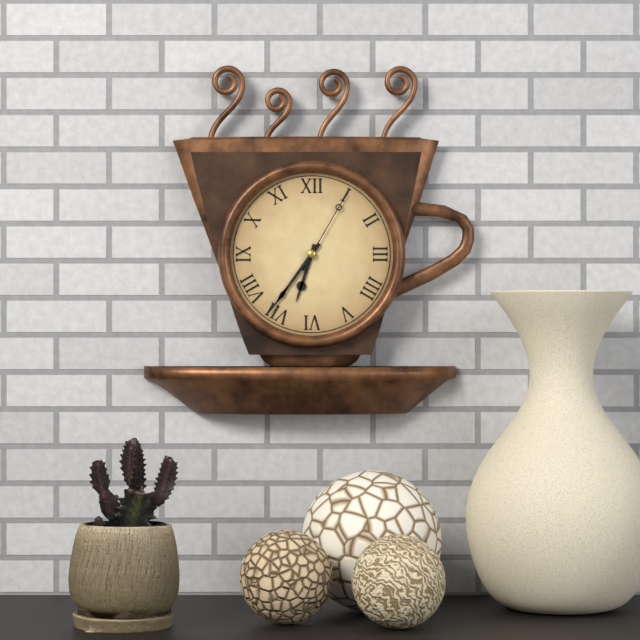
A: 6:36:05
